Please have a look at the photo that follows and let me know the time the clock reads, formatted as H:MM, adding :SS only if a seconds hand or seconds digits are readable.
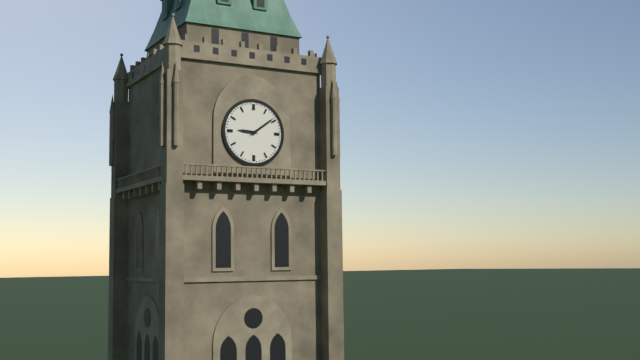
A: 9:09
